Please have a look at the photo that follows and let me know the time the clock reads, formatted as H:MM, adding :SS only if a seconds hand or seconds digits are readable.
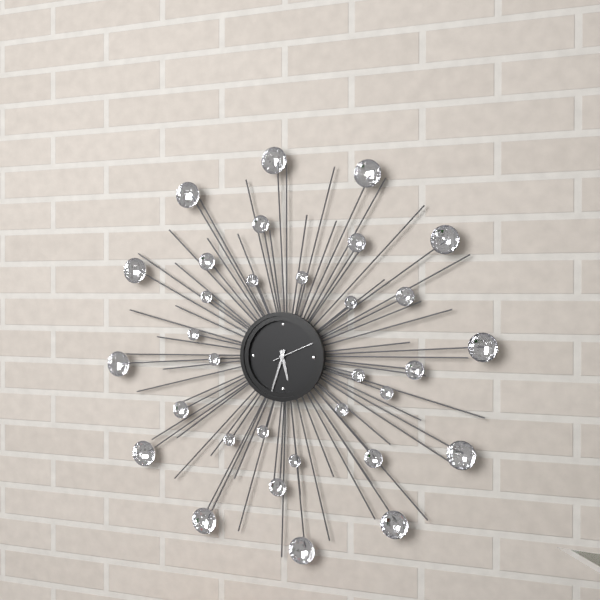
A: 5:33
